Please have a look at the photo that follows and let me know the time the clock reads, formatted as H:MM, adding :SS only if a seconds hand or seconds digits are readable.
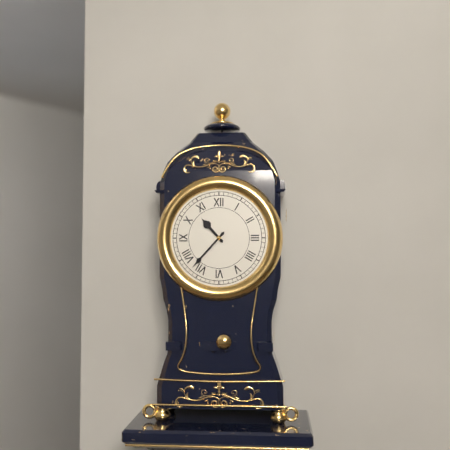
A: 10:37
